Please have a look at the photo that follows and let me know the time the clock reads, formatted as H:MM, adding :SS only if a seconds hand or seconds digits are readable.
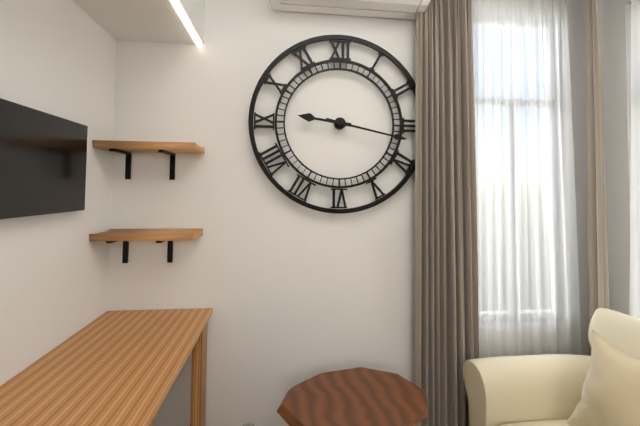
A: 9:17
